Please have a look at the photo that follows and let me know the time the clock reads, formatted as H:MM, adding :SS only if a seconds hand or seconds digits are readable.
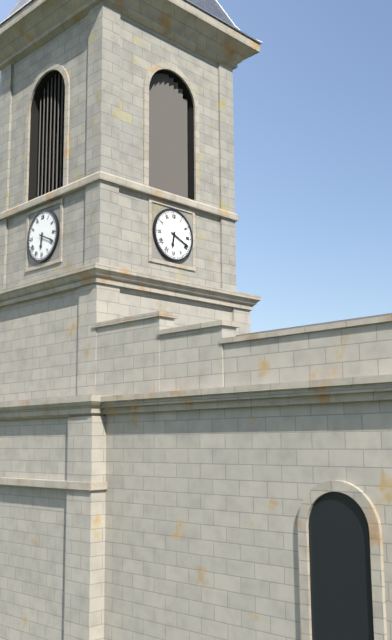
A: 6:19
